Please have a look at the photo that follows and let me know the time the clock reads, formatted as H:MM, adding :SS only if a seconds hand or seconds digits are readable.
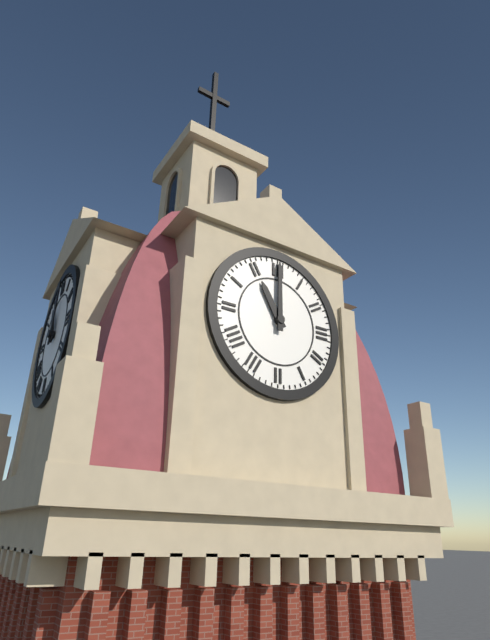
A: 11:00
